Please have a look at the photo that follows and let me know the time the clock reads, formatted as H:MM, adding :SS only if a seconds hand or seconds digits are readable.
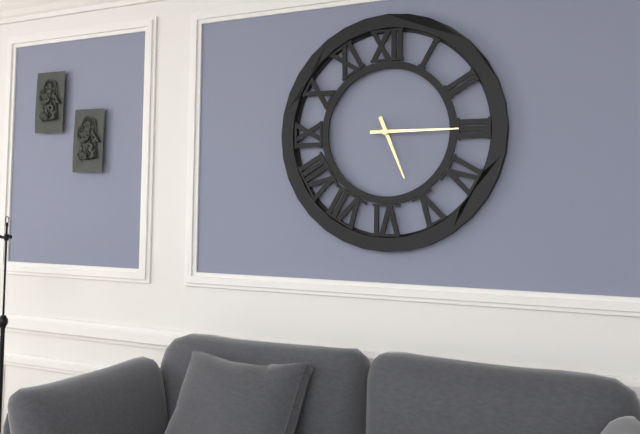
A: 5:15
